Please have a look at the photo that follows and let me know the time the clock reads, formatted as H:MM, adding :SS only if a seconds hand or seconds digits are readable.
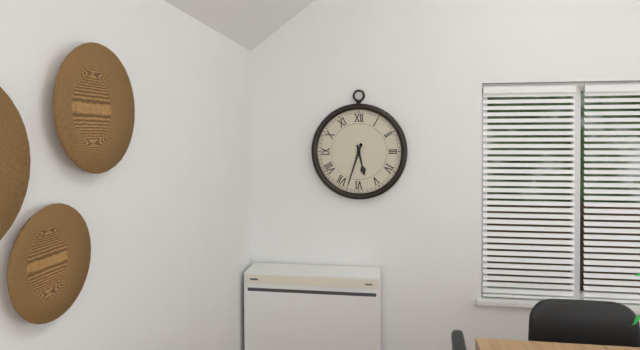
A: 5:33
